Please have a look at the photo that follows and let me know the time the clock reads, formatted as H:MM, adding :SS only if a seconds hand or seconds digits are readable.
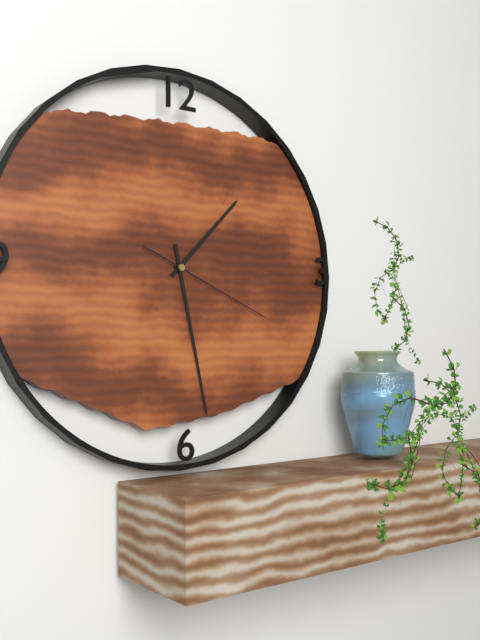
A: 1:28:19
